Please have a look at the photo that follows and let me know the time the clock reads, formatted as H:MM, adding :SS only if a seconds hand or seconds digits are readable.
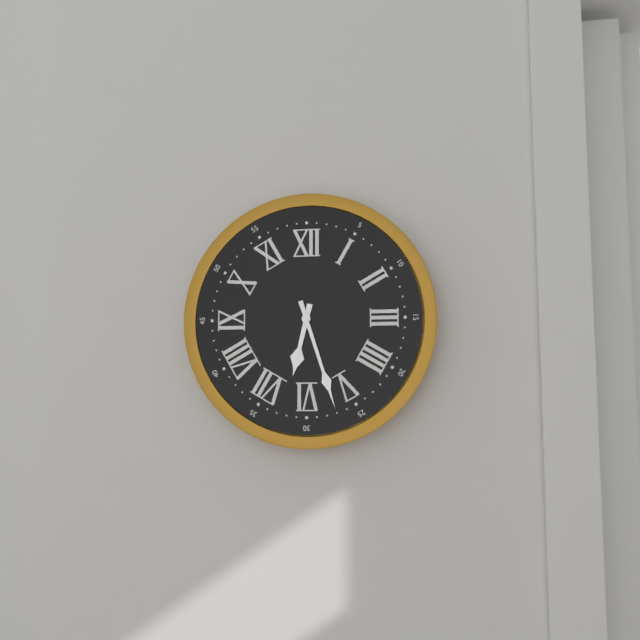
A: 6:27
